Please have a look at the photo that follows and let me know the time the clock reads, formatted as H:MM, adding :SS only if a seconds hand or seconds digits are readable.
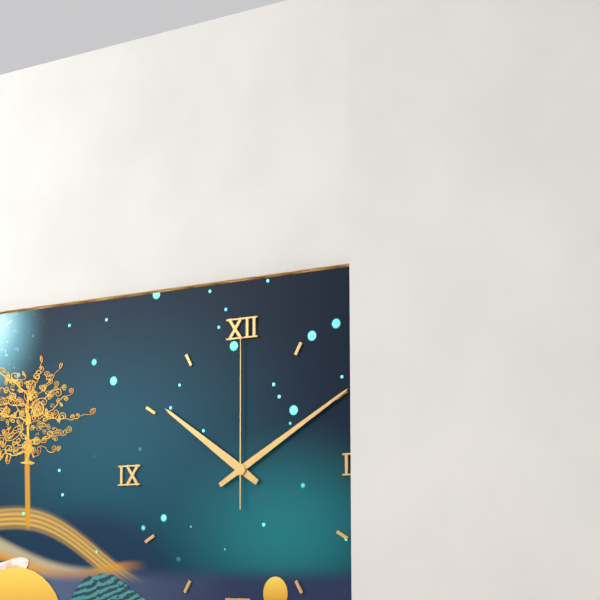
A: 10:10:00
